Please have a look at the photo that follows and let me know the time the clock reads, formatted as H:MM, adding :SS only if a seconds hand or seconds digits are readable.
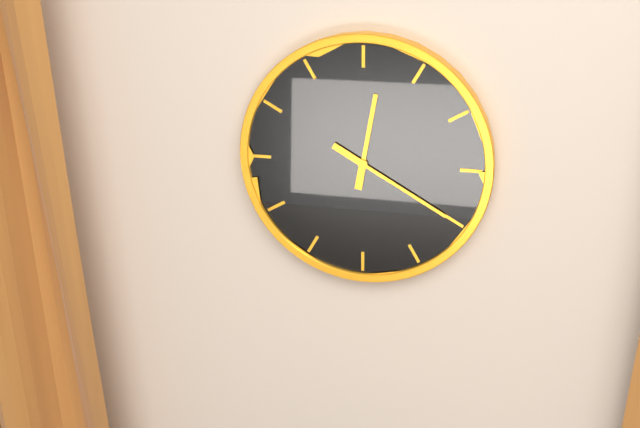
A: 12:20
